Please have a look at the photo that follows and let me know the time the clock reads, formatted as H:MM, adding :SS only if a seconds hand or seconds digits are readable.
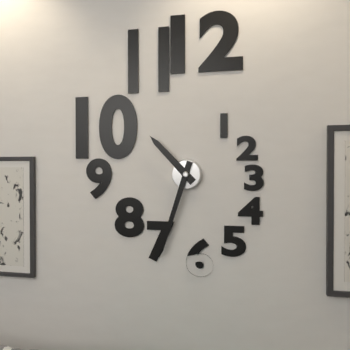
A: 10:33
